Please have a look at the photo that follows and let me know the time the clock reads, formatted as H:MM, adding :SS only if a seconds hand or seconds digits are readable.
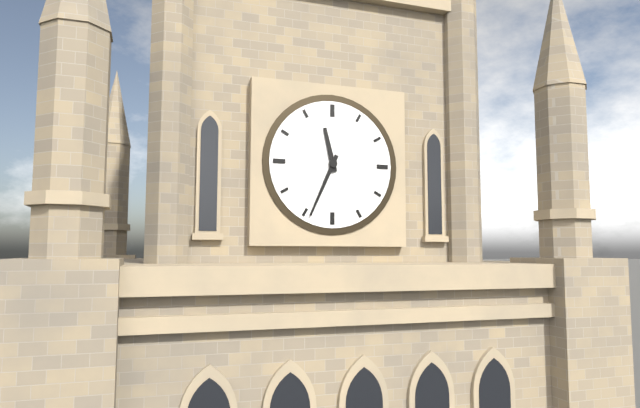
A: 11:34
